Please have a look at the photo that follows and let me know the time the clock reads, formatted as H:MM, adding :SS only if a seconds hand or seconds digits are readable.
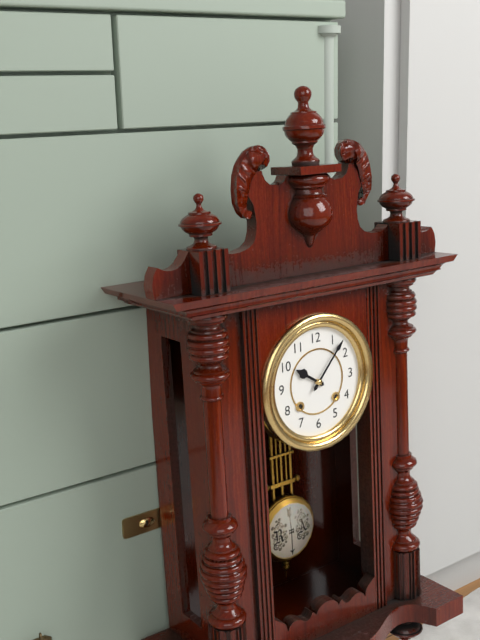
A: 10:07
